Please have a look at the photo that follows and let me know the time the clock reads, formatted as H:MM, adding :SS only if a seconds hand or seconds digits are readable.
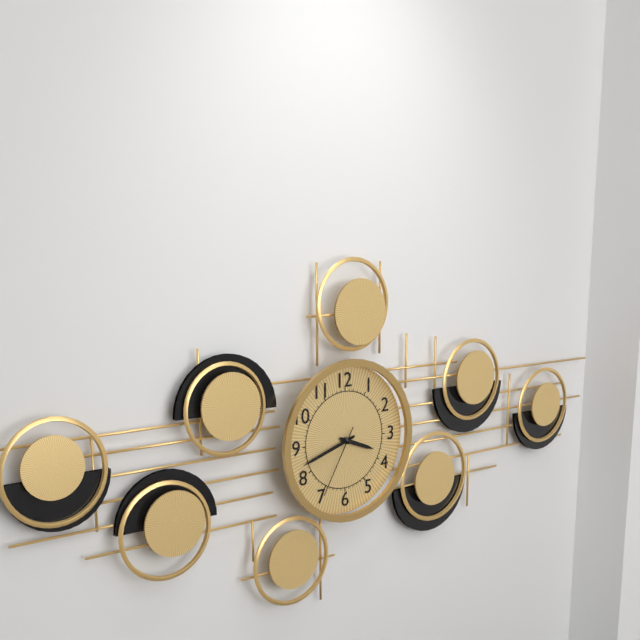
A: 3:42:35
